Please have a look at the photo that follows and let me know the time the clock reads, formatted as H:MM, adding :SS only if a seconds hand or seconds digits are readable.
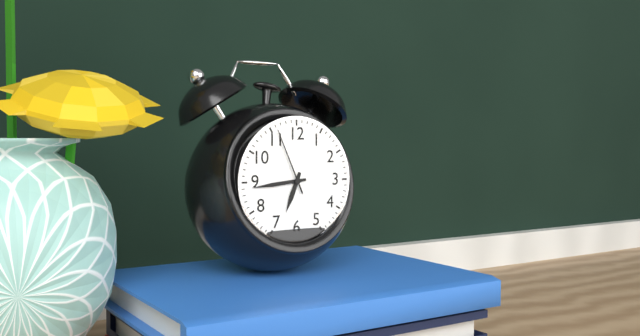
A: 6:44:56
